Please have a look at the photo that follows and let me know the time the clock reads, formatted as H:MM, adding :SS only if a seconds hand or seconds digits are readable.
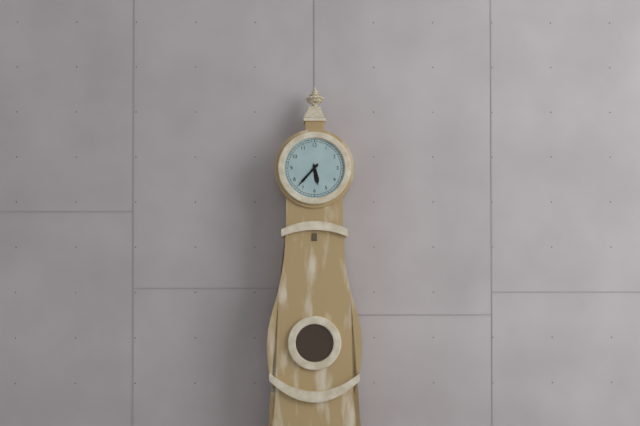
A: 5:37
